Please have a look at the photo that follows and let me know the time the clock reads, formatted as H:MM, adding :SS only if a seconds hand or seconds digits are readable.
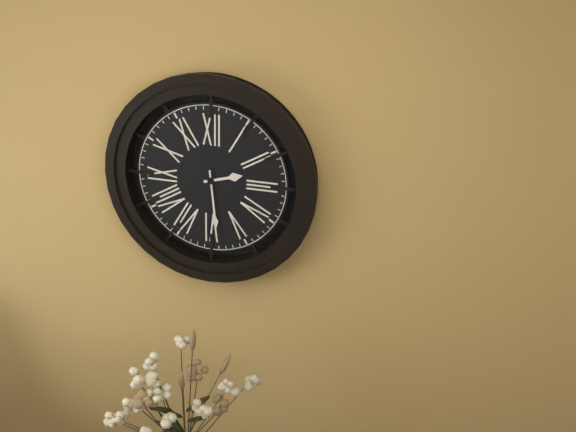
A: 2:29
